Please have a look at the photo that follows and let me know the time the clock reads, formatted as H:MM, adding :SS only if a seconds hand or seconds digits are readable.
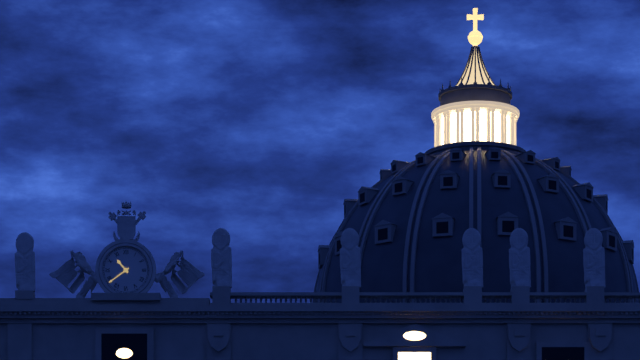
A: 10:39
